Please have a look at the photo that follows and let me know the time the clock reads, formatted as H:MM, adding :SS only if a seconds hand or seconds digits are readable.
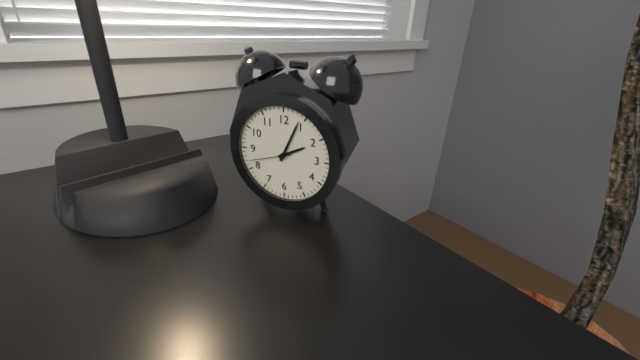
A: 2:04
